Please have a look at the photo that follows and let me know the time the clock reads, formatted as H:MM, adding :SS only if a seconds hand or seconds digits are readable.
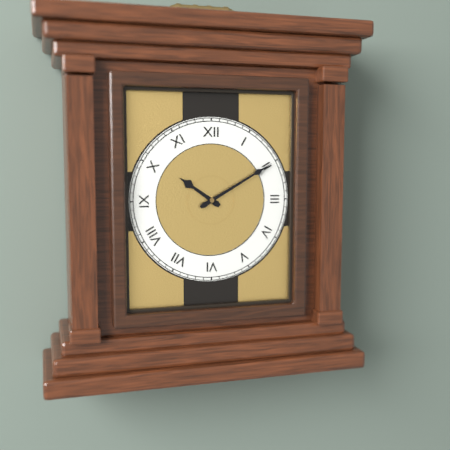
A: 10:10
